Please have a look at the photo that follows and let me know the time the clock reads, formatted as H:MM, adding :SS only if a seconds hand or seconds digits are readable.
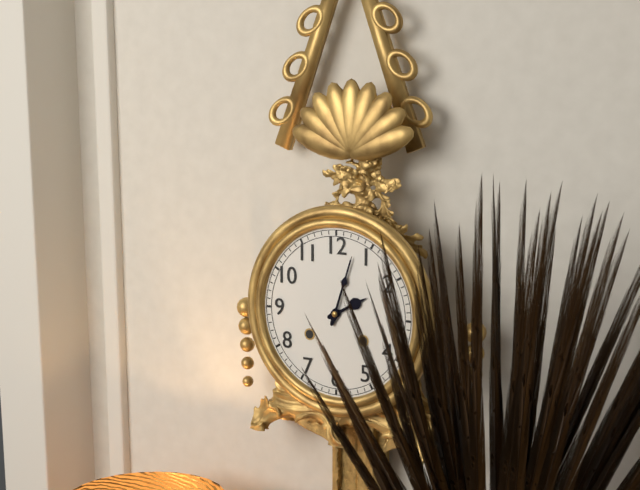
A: 2:03
